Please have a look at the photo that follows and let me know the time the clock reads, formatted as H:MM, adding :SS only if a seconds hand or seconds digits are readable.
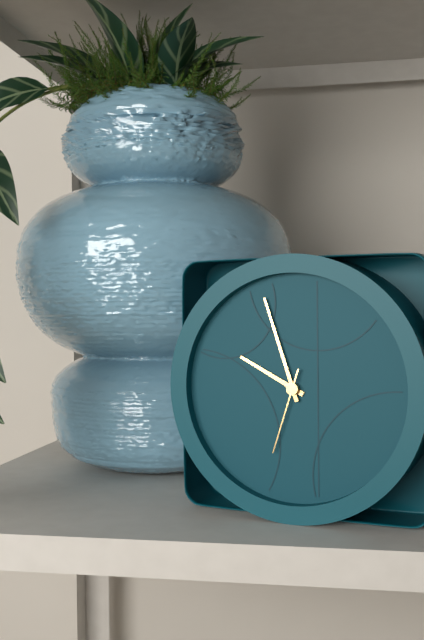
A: 9:57:33
